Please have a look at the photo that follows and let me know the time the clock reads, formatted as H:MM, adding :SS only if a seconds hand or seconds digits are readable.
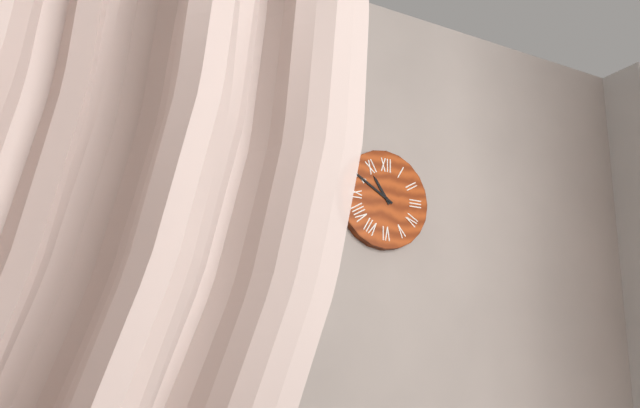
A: 10:50
